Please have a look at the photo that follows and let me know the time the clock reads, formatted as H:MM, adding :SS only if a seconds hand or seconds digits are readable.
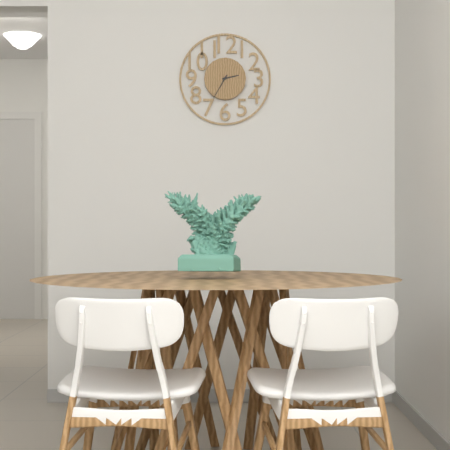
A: 2:35
